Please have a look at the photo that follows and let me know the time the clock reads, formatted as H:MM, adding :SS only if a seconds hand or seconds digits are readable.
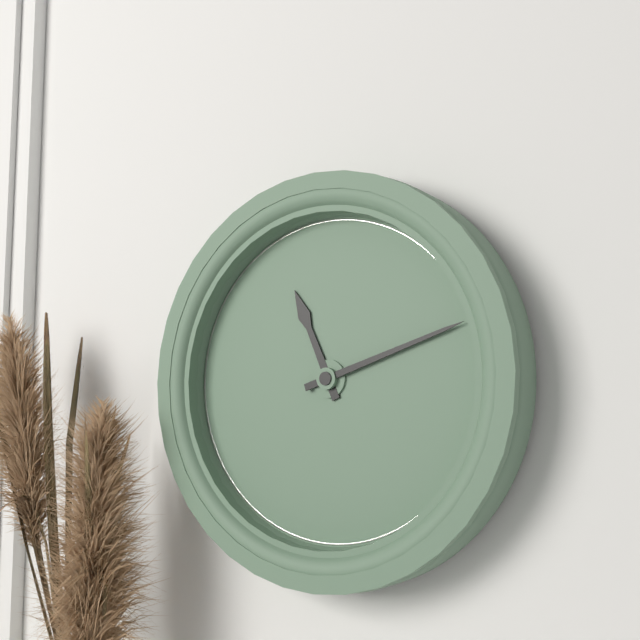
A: 11:12
